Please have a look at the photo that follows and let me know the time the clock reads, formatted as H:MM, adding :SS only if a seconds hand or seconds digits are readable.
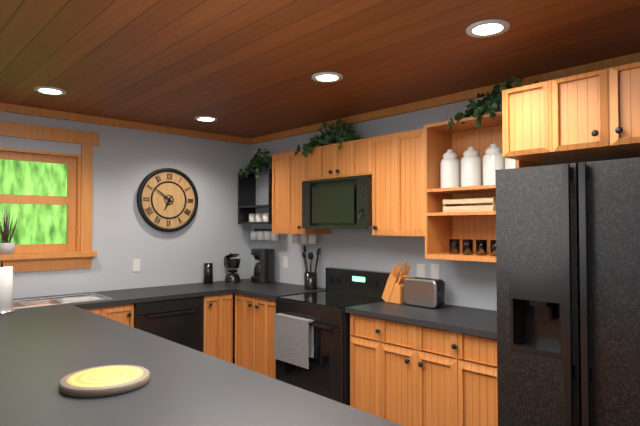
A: 6:51
